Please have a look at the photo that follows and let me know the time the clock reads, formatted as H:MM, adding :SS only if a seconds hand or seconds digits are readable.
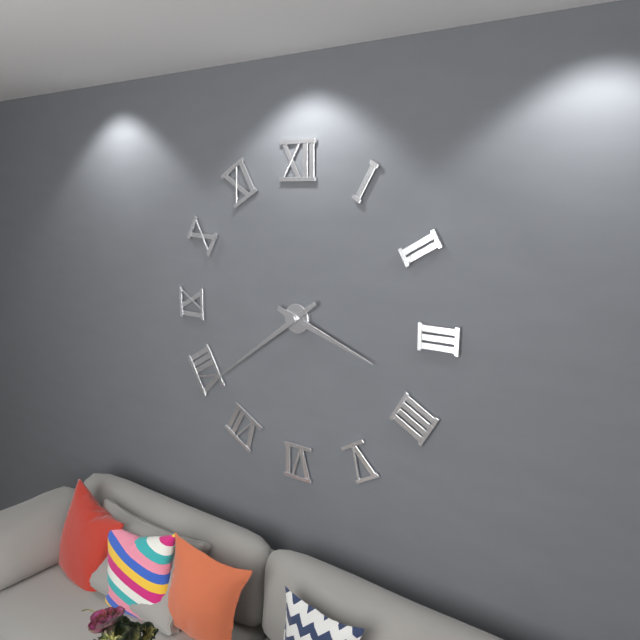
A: 3:39
